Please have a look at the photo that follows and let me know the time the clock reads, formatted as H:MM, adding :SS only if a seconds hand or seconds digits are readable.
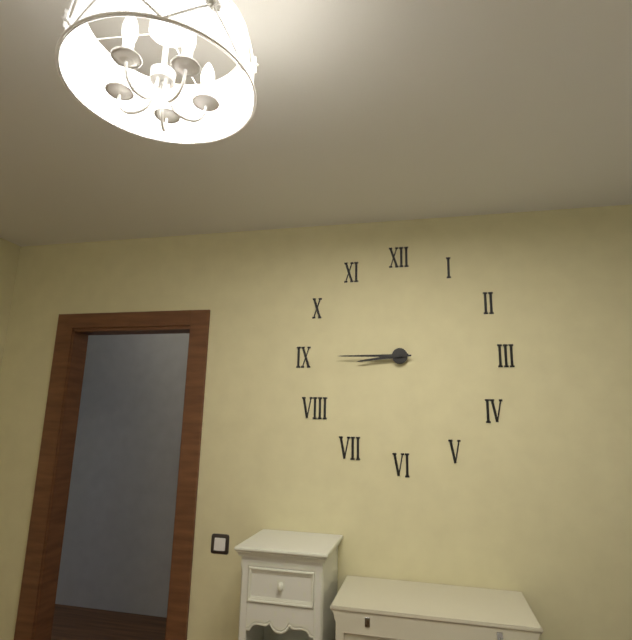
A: 8:45
